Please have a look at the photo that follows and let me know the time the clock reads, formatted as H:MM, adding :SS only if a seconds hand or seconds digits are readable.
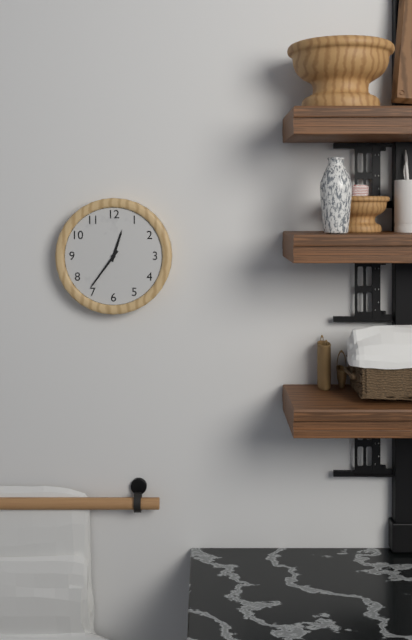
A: 12:36
